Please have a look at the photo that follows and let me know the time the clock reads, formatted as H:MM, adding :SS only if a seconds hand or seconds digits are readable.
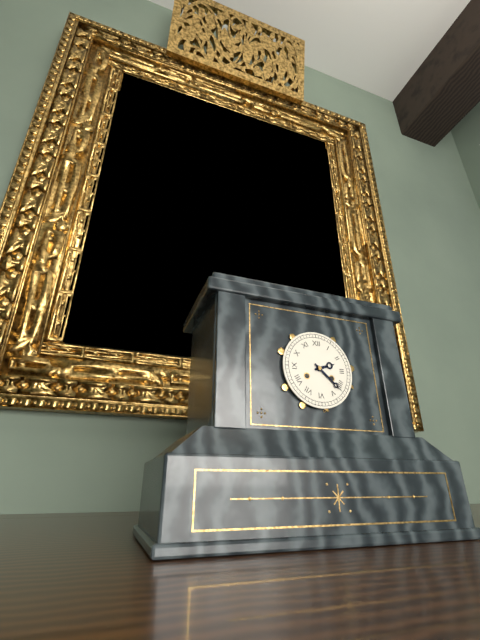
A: 2:22
